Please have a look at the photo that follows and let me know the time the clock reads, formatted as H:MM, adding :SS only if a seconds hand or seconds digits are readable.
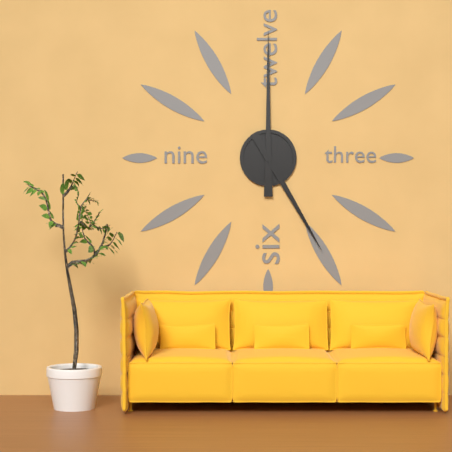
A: 5:00
